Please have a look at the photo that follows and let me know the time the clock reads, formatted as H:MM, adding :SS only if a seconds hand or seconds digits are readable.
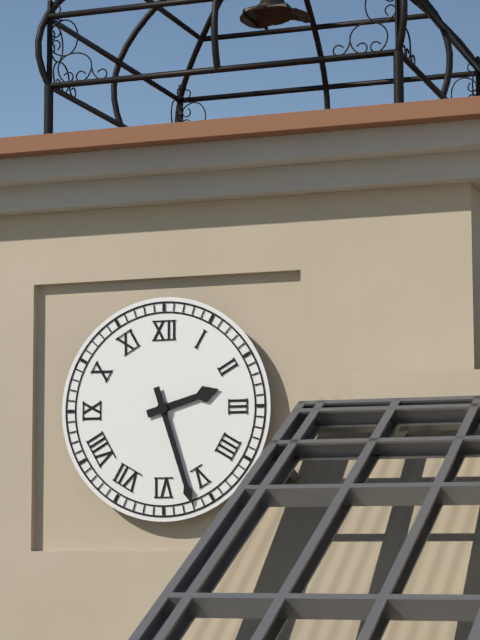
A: 2:27
